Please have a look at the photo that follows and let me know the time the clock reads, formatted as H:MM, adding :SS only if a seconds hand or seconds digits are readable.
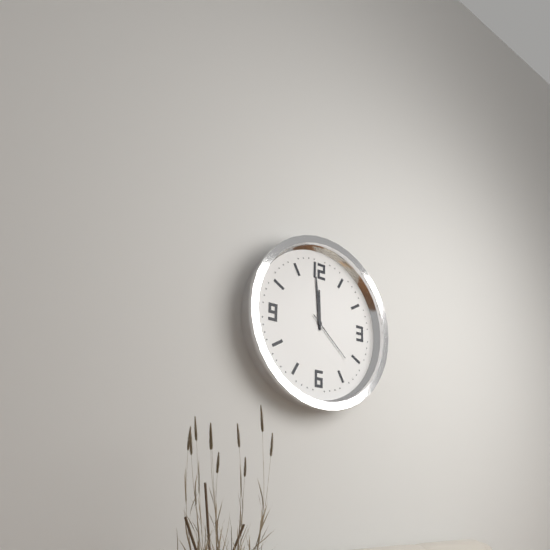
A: 11:59:22
